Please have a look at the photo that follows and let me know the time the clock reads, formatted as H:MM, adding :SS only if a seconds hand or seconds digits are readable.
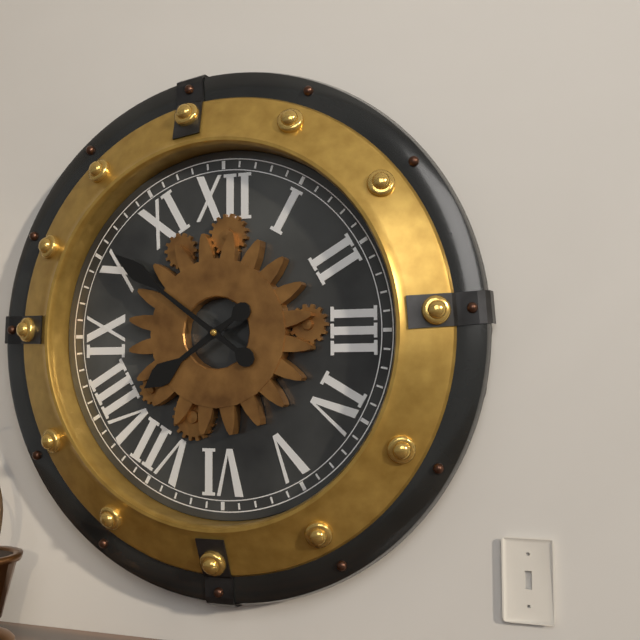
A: 7:51
